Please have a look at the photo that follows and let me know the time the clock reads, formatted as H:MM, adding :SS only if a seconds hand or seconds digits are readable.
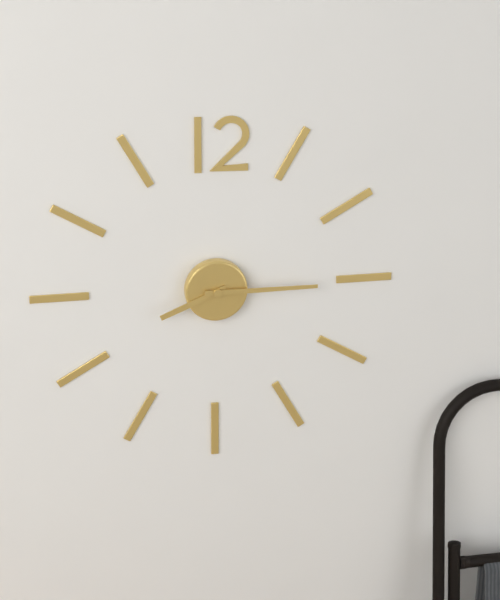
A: 8:15
